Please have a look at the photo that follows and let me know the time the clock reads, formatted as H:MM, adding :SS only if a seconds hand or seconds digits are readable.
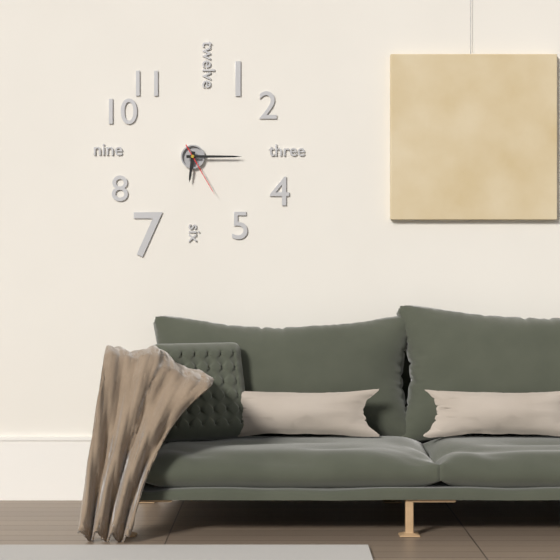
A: 6:15:25
